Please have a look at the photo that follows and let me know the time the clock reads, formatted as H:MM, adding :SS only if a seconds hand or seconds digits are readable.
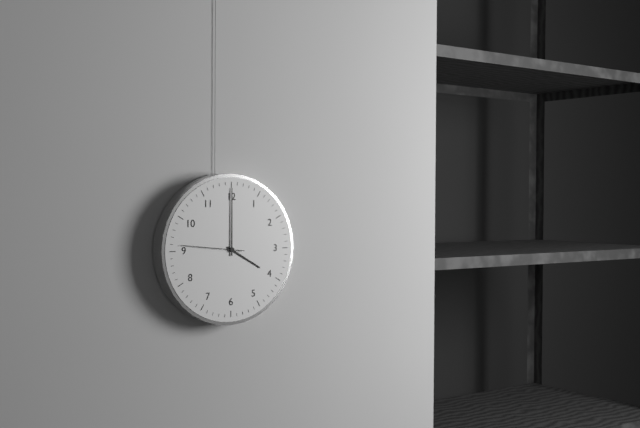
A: 4:00:46
